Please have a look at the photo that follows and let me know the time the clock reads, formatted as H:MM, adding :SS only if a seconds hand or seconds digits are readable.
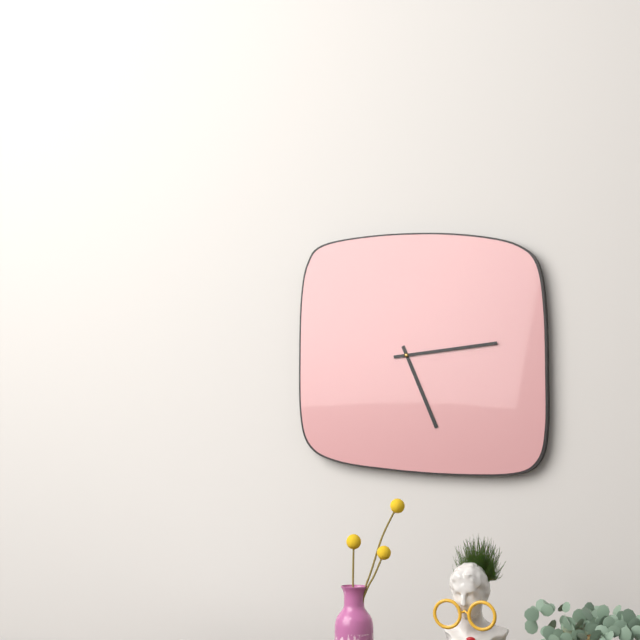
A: 5:14
